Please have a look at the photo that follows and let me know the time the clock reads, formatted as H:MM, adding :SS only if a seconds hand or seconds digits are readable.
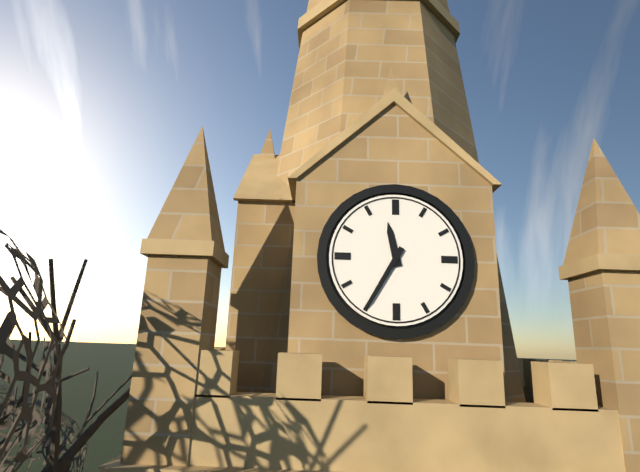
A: 11:35
